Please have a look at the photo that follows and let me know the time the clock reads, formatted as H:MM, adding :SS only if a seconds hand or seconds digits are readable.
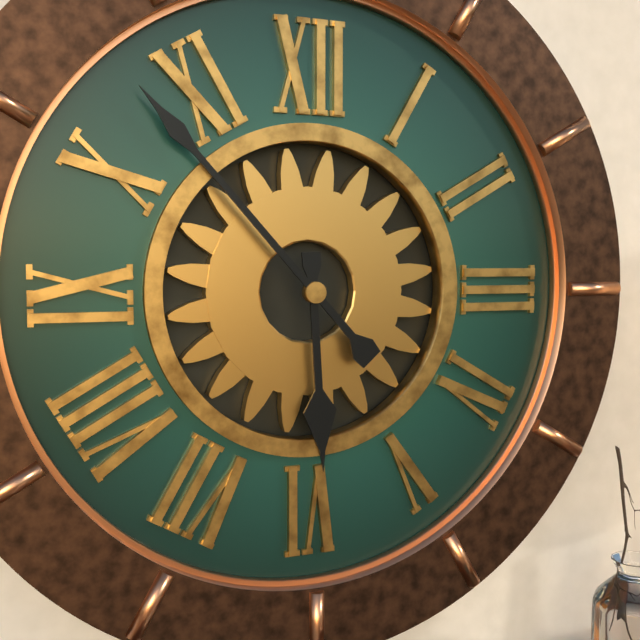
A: 5:53
